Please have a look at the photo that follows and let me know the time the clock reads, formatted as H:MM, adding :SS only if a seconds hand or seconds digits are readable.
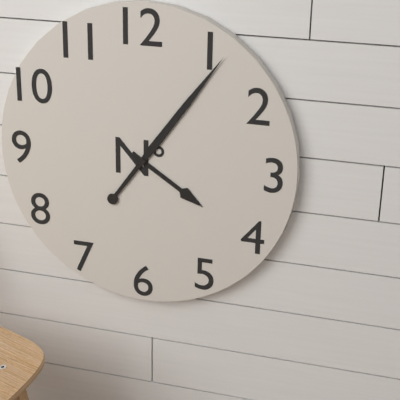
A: 4:06
